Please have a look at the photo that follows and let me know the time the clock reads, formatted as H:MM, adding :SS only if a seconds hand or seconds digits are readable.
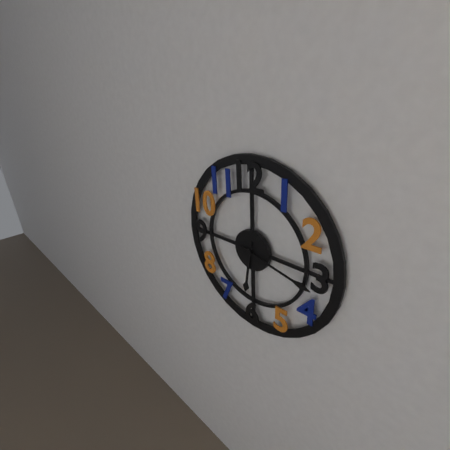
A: 6:17
